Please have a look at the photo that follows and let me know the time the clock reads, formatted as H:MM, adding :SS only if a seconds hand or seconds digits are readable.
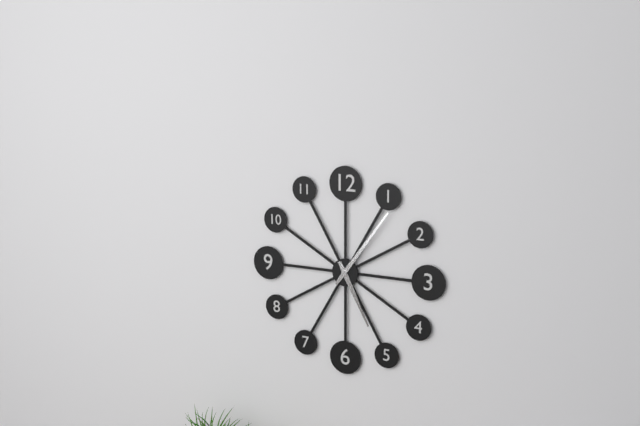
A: 5:06
